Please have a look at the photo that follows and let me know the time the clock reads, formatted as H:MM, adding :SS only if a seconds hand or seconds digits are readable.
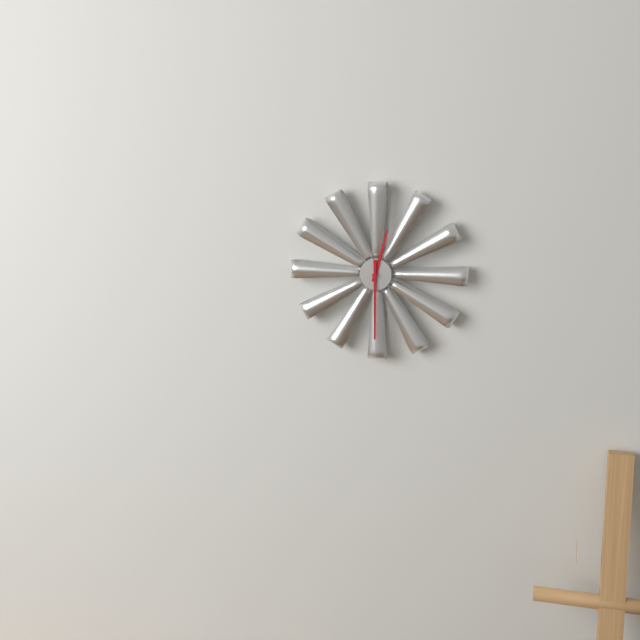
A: 12:30
